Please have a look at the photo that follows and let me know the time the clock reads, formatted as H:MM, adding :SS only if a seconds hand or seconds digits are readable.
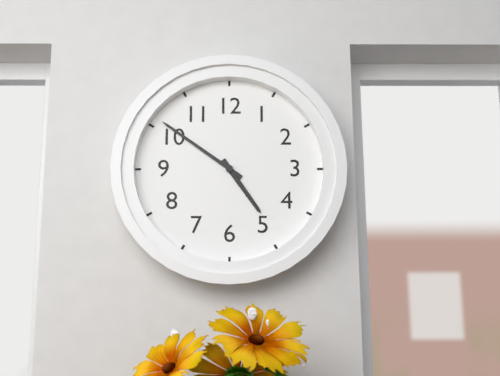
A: 4:51
